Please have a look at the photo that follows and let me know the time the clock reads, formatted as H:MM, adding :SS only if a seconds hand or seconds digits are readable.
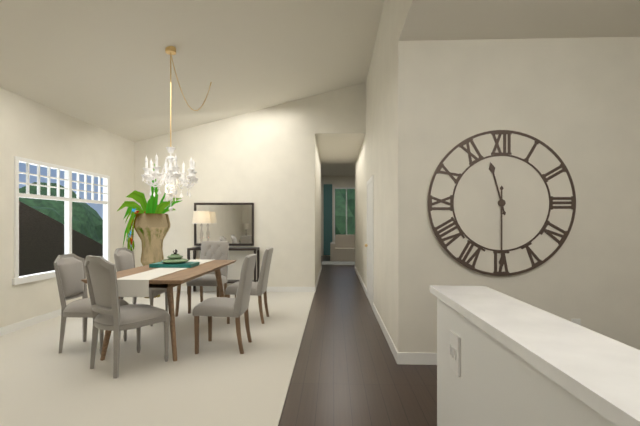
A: 11:30
